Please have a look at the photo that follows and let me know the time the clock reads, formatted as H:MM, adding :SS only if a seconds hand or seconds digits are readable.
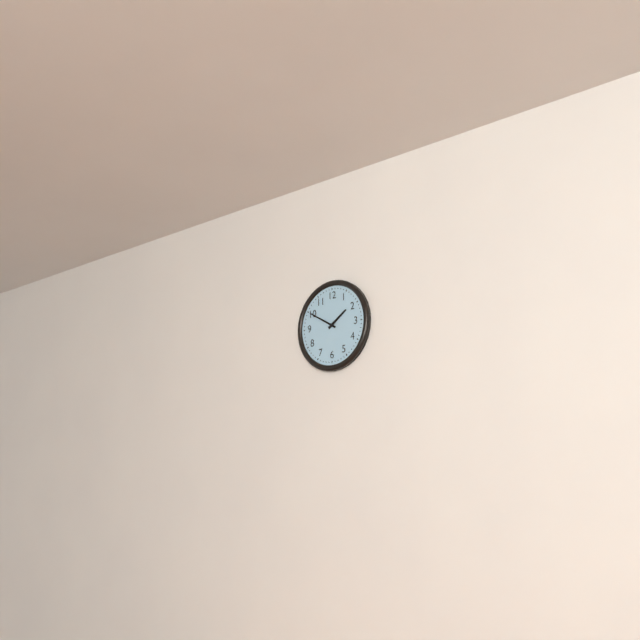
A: 1:50
